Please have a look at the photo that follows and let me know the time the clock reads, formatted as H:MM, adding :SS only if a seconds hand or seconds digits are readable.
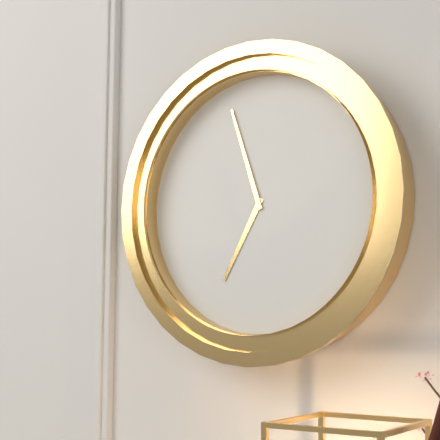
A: 6:57
